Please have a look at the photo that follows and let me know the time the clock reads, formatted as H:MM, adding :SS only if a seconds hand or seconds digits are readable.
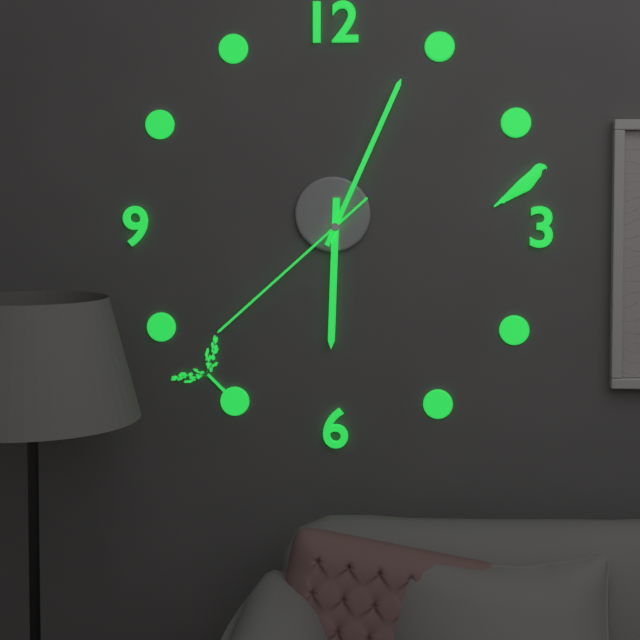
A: 6:04:38
